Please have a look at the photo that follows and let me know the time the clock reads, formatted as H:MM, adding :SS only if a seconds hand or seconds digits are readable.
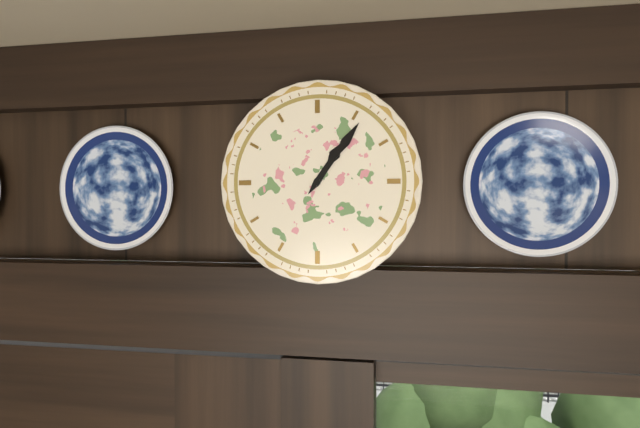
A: 1:06
